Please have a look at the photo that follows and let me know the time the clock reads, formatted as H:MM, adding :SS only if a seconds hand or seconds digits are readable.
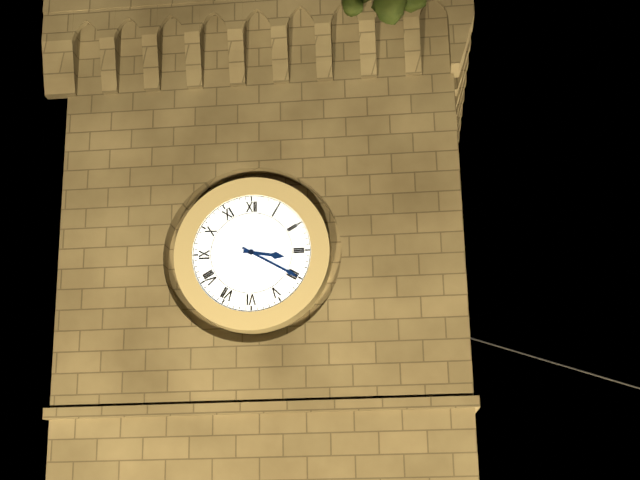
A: 3:20
